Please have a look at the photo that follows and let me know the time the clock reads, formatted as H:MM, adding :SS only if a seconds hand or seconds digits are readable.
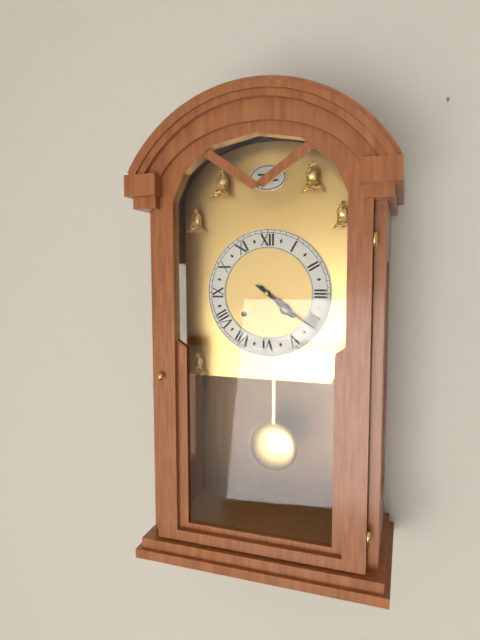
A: 4:21
